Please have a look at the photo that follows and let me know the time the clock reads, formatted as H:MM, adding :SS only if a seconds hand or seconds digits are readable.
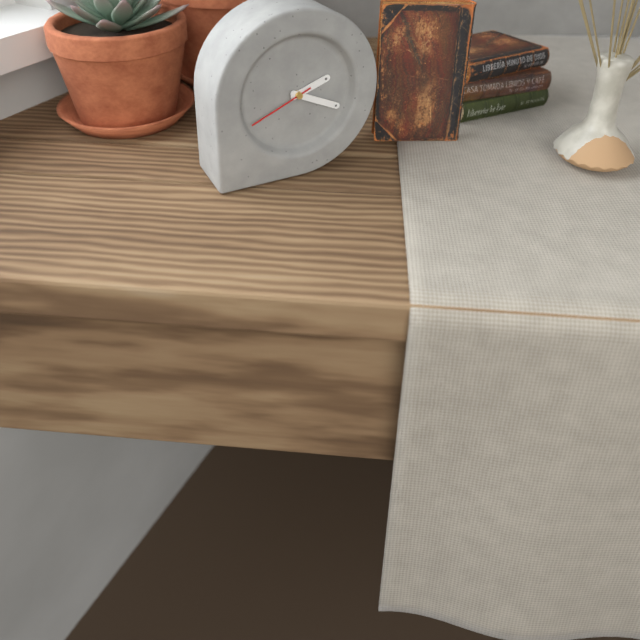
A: 2:19:41
